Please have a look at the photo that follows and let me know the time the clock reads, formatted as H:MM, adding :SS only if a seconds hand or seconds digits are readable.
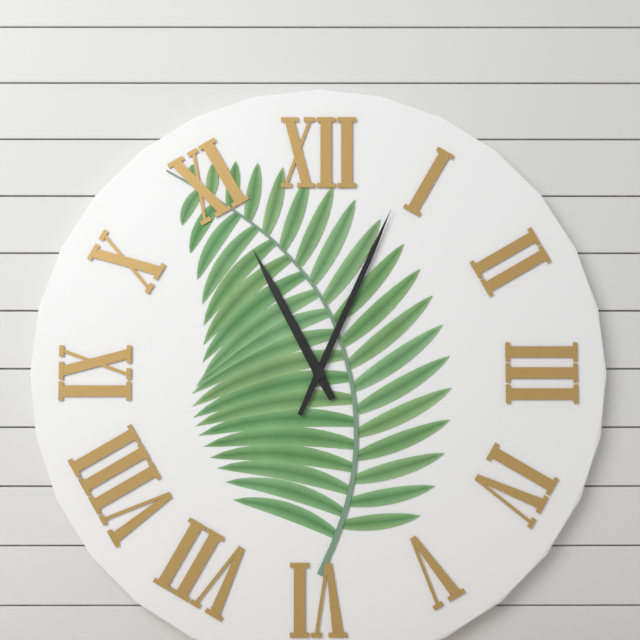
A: 11:04
